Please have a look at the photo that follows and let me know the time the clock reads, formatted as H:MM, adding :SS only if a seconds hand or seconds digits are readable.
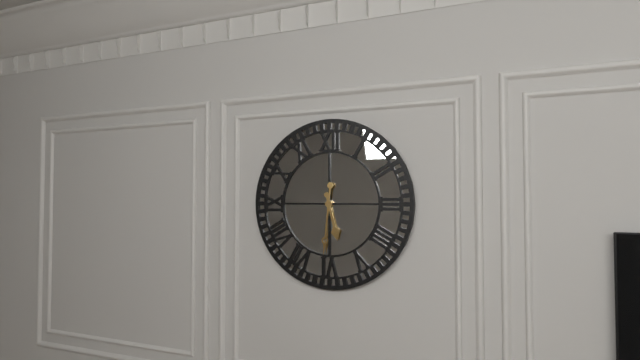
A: 5:31
